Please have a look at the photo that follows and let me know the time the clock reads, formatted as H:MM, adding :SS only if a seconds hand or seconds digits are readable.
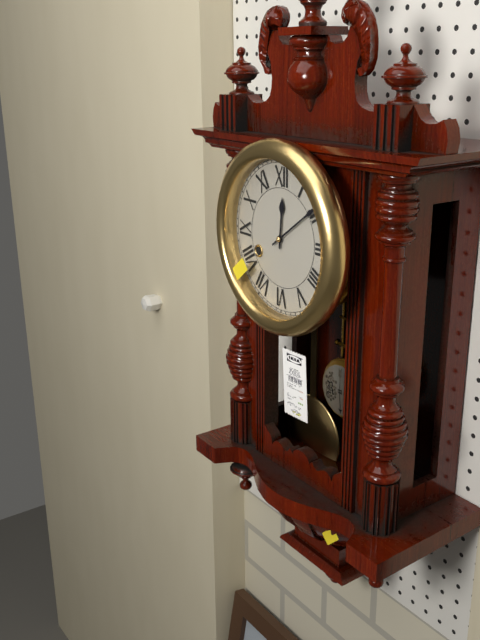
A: 12:09
